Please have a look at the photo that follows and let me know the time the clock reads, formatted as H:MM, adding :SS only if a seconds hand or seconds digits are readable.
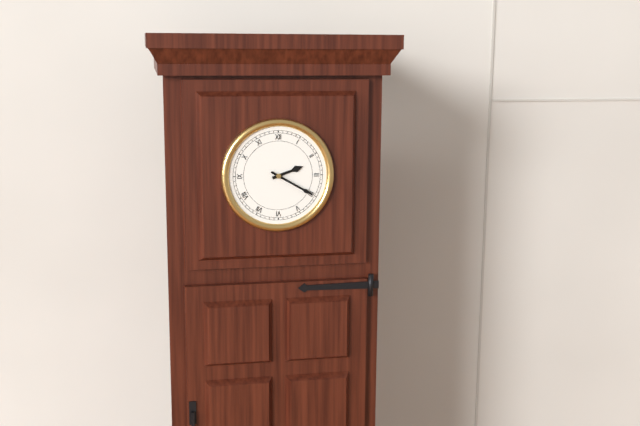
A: 2:20
